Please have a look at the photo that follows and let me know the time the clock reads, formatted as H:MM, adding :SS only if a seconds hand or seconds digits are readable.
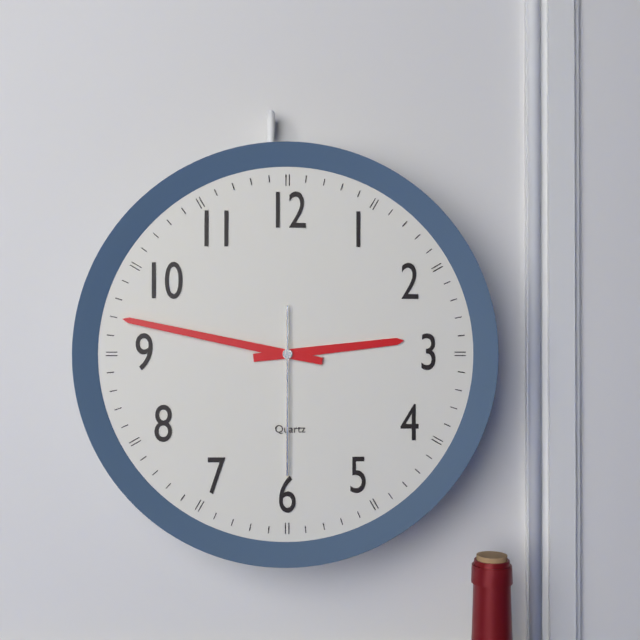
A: 2:47:30
